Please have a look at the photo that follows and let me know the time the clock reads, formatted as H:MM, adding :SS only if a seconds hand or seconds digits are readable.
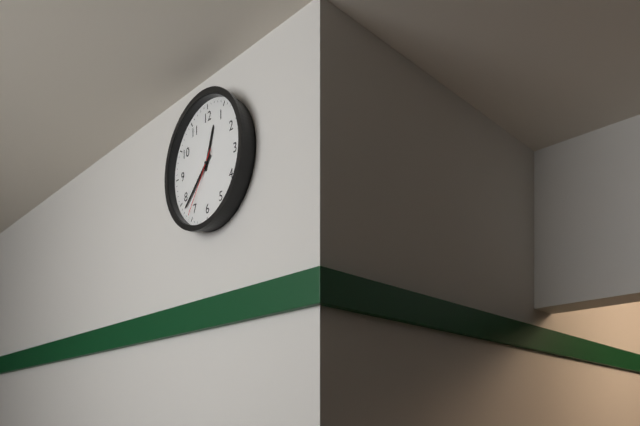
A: 12:38:36
